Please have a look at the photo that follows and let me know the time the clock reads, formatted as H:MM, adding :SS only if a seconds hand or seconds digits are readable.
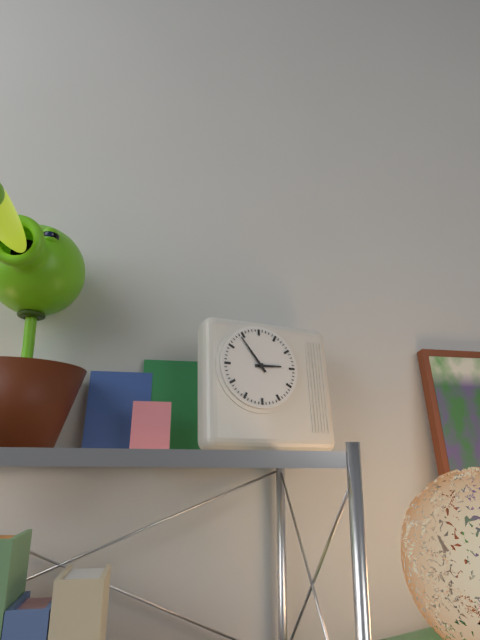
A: 2:54
